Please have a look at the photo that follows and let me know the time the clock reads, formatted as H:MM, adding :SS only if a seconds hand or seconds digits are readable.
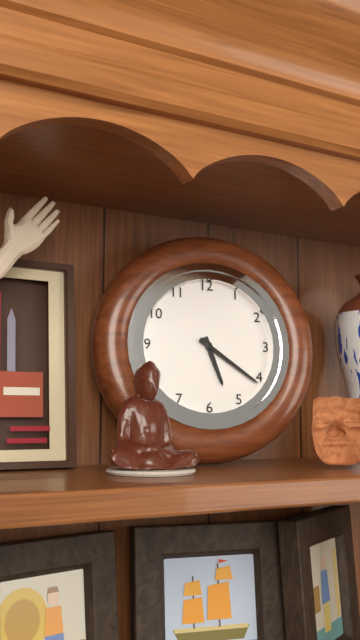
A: 5:21
